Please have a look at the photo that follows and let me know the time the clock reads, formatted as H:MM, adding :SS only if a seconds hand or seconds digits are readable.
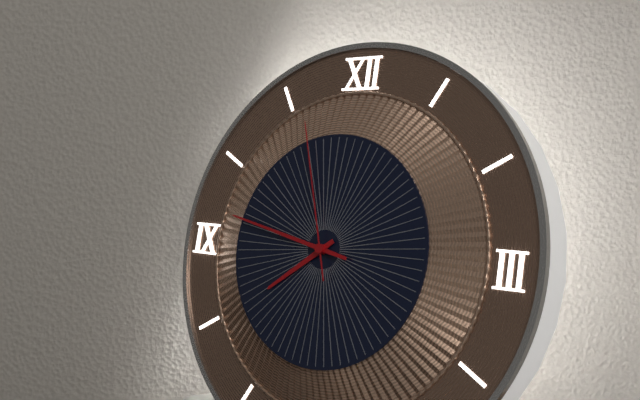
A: 7:47:57
